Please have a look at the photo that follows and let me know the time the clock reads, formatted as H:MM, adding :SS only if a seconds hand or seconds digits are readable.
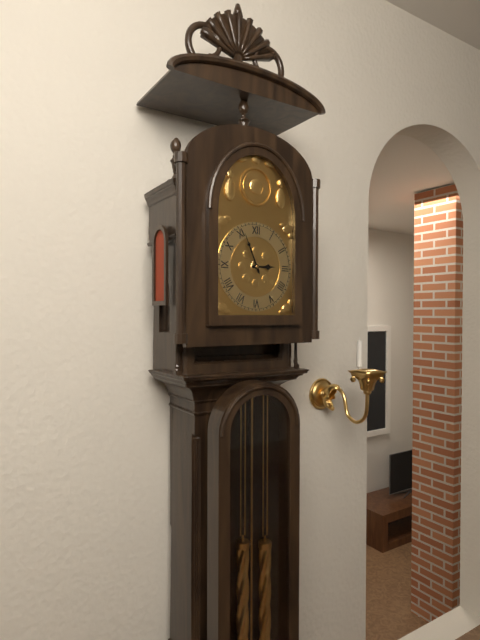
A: 2:56
